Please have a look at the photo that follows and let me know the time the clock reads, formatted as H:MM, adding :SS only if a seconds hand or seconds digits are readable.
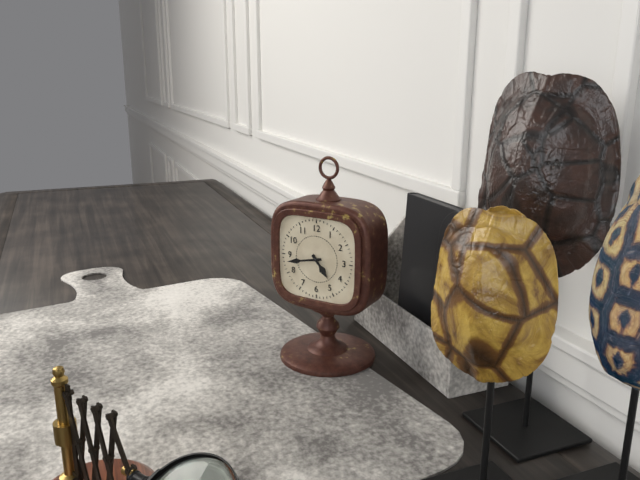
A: 4:43
